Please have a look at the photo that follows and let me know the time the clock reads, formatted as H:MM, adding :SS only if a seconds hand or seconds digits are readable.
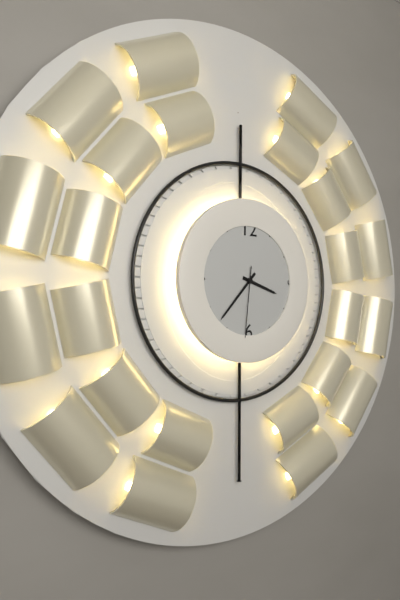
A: 3:37:31
